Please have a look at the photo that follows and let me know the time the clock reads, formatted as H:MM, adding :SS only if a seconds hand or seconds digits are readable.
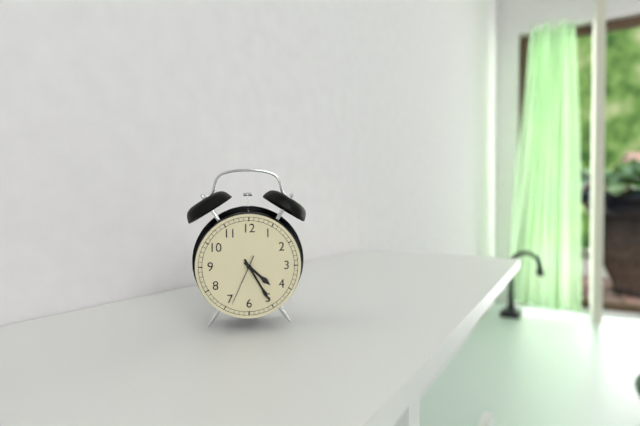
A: 4:25:34
